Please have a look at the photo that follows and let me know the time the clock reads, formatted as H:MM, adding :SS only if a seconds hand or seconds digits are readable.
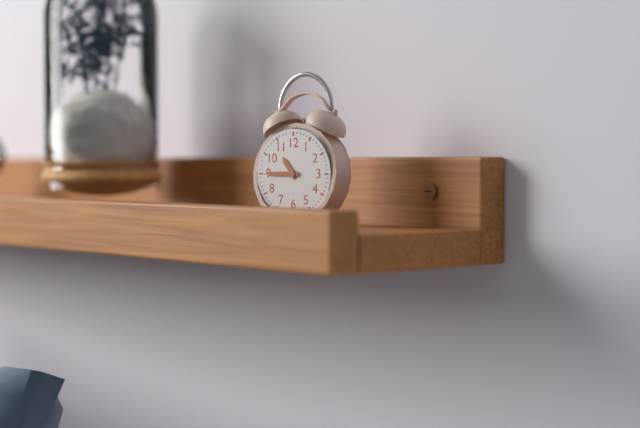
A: 10:45
